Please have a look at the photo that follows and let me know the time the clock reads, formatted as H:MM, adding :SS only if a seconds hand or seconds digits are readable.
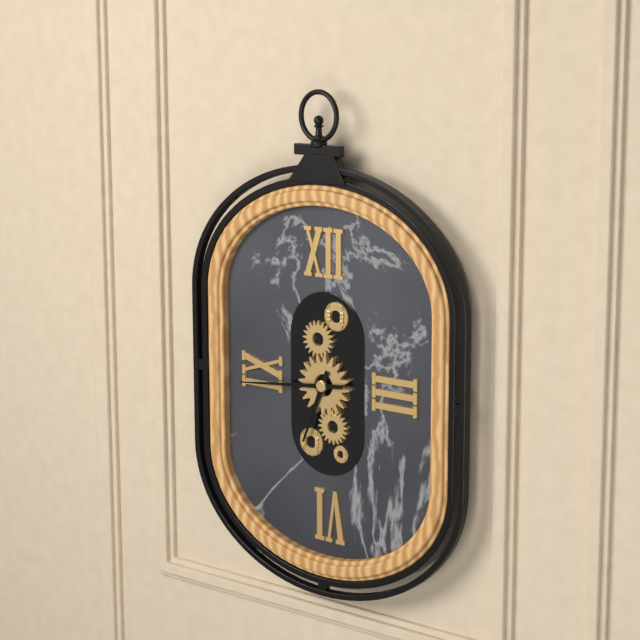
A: 6:44
